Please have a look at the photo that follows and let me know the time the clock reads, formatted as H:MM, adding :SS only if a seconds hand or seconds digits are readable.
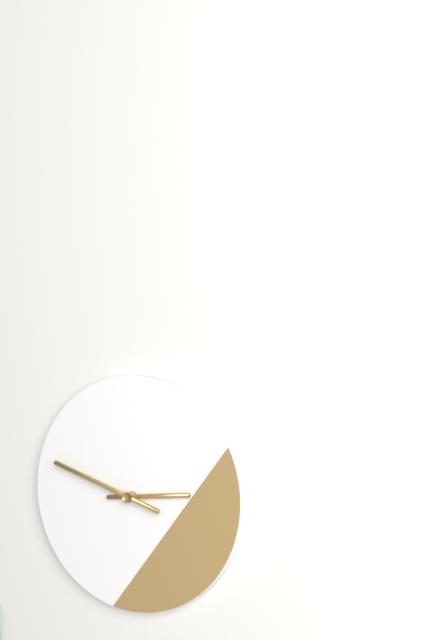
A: 2:48
